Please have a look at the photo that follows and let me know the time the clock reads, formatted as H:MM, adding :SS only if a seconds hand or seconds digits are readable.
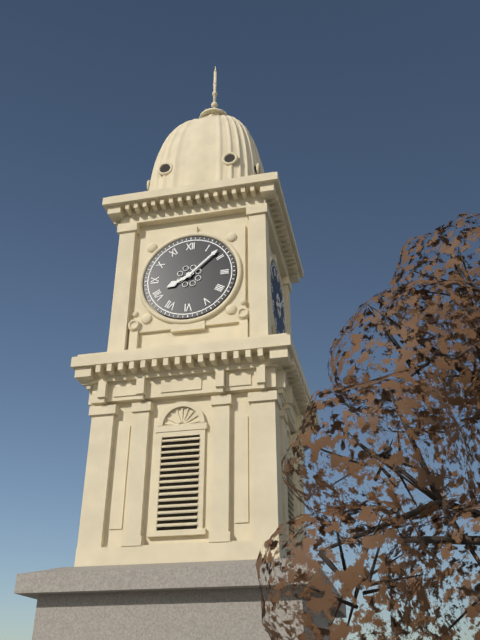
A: 8:08
